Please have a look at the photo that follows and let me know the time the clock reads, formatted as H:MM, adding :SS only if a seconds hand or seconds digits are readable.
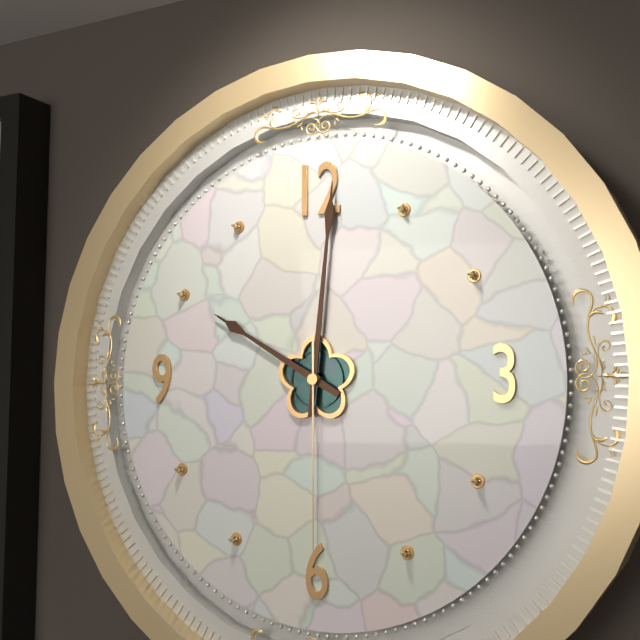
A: 10:01:30
